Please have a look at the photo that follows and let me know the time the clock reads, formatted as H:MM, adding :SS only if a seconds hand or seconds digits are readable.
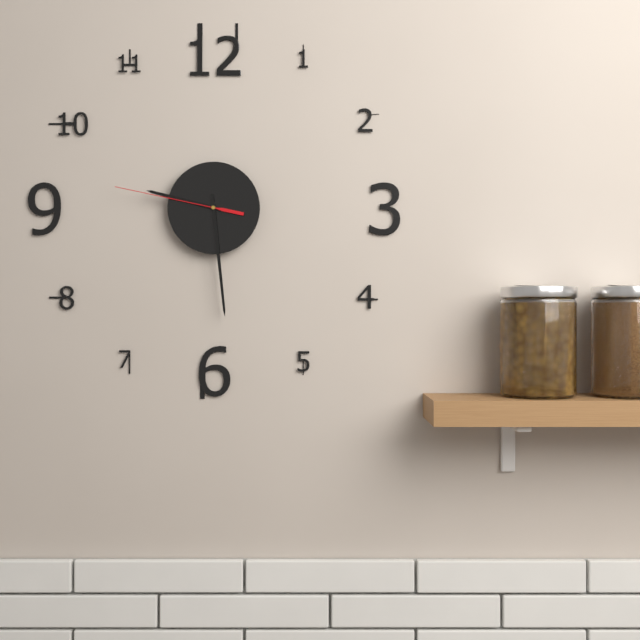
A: 9:29:47
